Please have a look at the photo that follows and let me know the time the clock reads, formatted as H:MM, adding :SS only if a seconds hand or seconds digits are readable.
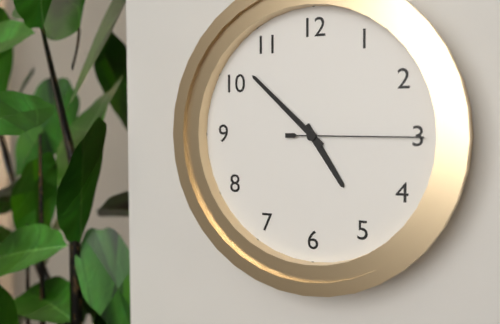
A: 4:52:15
